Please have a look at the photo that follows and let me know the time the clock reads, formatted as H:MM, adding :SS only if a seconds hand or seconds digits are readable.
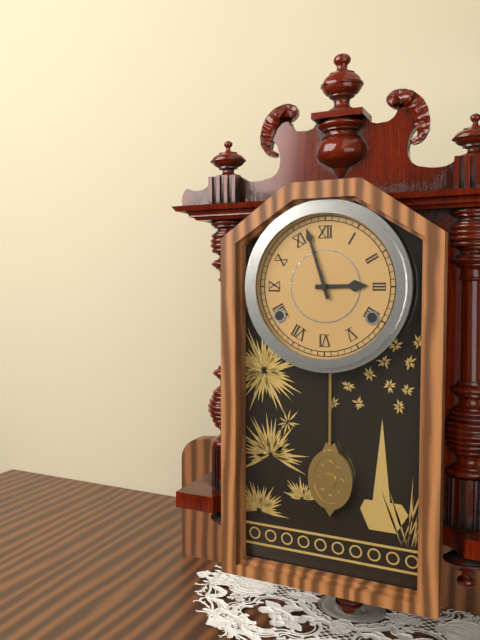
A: 2:57
